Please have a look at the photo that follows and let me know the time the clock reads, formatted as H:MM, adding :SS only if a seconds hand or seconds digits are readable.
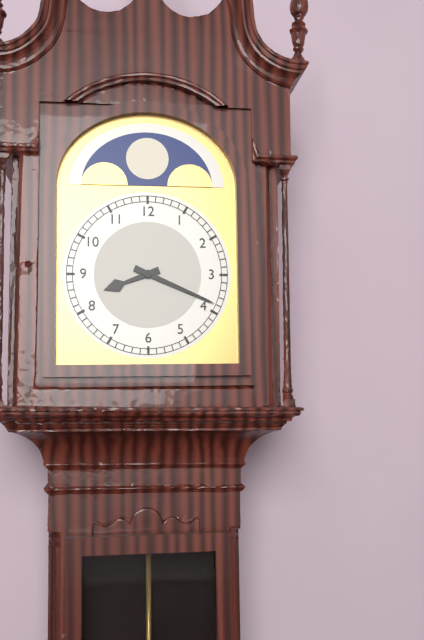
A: 8:19
